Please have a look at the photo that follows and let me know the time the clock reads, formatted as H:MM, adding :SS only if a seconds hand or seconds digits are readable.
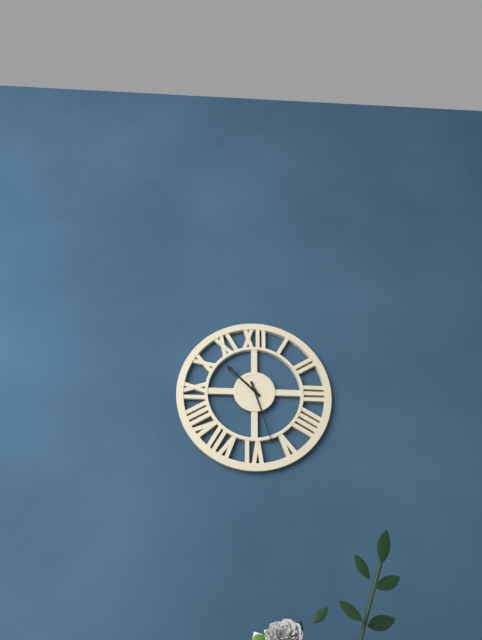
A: 10:27
